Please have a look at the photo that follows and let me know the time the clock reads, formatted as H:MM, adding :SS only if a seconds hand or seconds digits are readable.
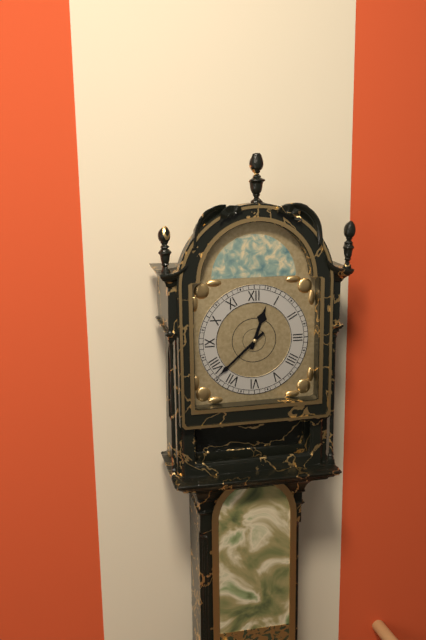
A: 12:38
